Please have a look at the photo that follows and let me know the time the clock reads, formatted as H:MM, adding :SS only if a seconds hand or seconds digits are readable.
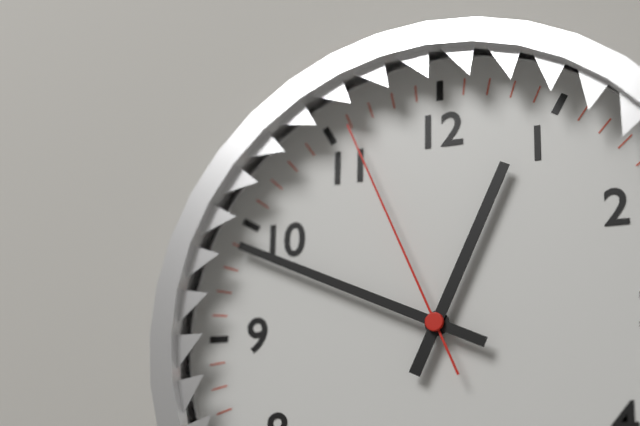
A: 12:49:56
